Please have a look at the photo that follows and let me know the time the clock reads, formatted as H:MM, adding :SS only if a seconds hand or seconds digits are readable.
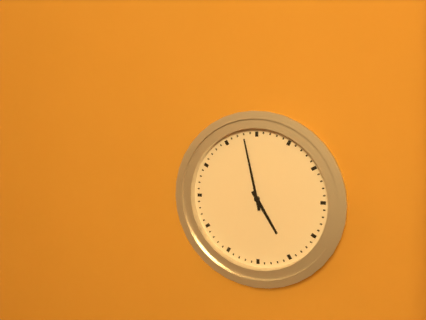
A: 4:58
